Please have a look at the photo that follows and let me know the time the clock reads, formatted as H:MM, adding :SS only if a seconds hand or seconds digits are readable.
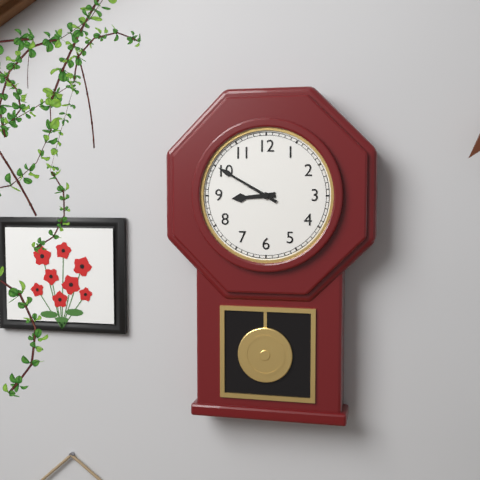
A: 8:50
